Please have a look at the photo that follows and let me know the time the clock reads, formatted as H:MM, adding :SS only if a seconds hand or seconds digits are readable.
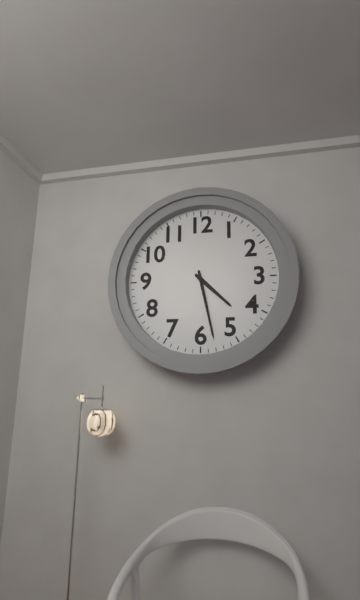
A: 4:28
